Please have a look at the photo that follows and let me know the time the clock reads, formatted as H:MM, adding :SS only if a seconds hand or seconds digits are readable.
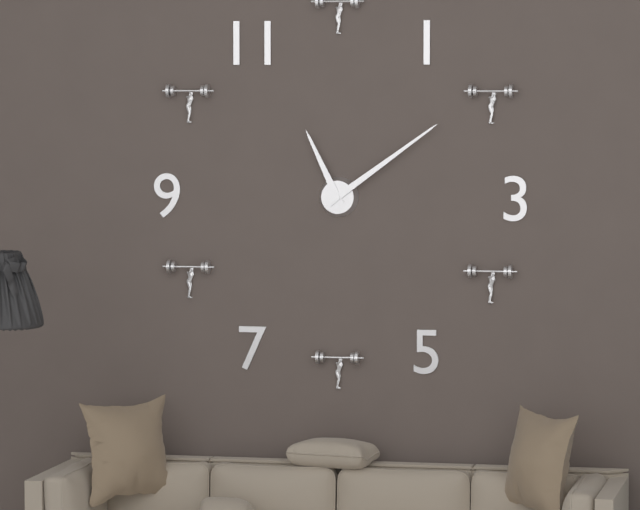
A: 11:09
